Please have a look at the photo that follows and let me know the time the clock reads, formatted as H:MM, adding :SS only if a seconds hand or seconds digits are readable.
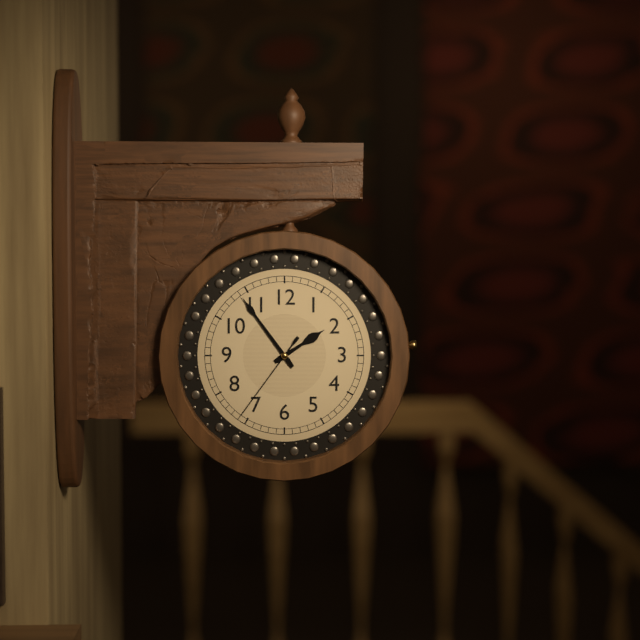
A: 1:54:36
